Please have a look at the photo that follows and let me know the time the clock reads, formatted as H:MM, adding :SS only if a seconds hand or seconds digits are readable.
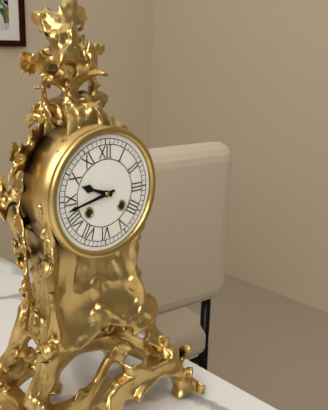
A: 9:43
